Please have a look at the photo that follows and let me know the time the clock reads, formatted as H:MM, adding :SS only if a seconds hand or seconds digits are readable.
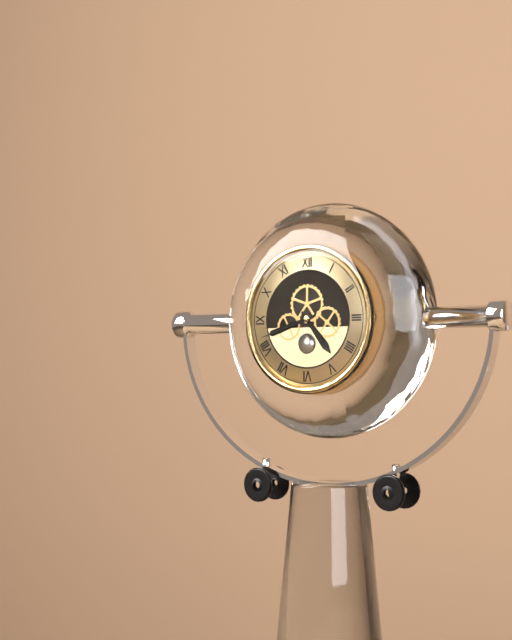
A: 4:42
